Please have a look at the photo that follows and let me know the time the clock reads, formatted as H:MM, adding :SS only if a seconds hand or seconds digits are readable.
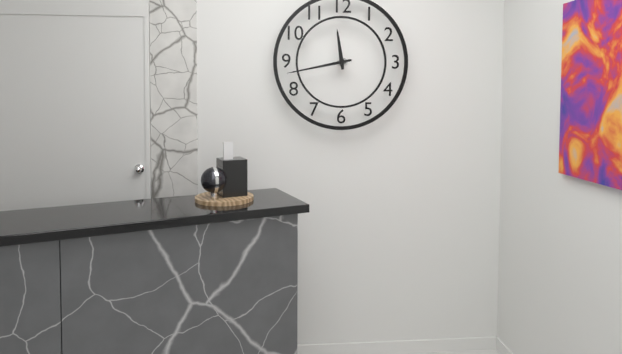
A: 11:43
